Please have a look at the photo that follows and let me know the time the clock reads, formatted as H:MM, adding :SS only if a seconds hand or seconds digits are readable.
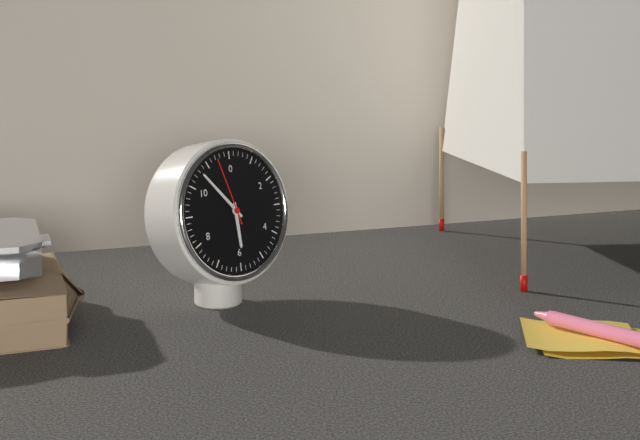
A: 5:53:57
